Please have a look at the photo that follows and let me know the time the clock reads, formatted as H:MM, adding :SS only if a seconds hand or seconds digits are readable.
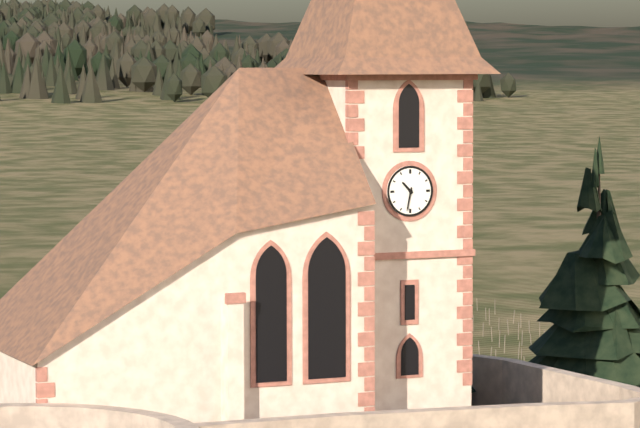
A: 10:32
